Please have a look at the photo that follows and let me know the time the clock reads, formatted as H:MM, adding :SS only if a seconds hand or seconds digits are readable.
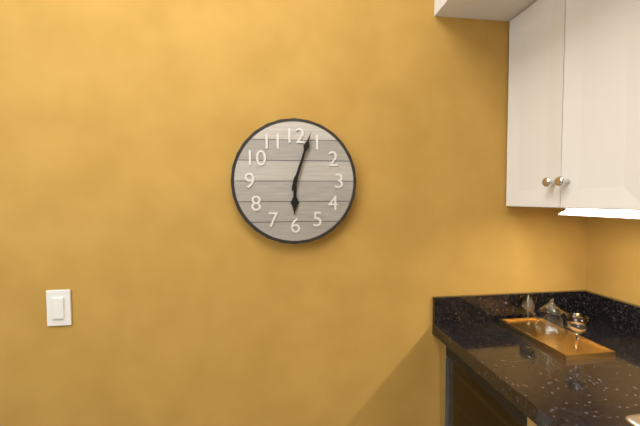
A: 6:03
